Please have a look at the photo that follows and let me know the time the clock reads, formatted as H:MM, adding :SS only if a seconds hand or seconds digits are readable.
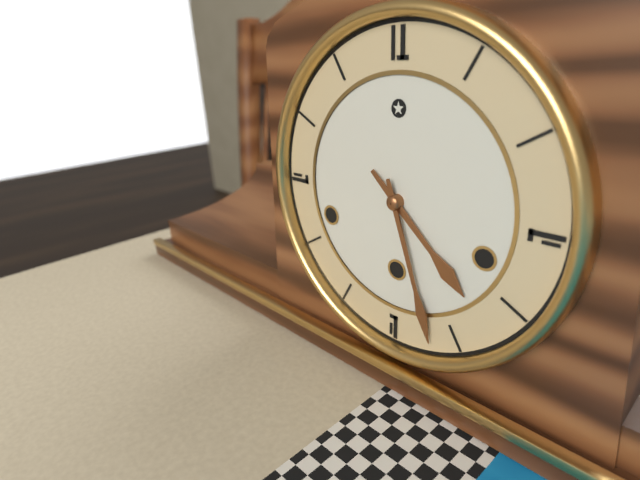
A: 4:27
